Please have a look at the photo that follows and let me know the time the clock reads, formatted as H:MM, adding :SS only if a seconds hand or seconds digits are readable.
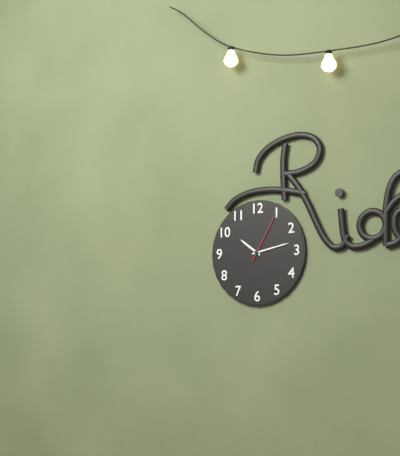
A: 10:13:05
